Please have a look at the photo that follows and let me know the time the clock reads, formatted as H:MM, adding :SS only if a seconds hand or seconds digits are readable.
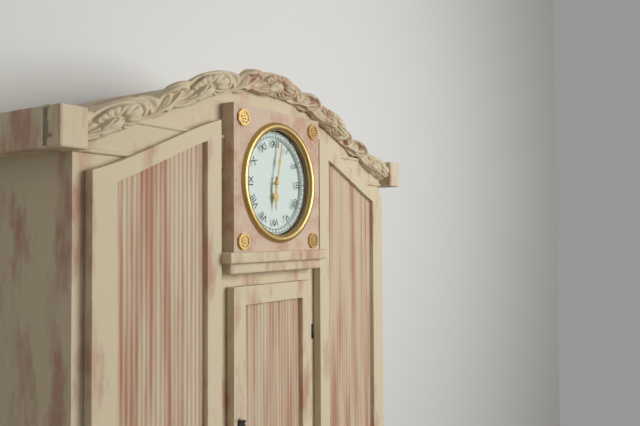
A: 6:02
